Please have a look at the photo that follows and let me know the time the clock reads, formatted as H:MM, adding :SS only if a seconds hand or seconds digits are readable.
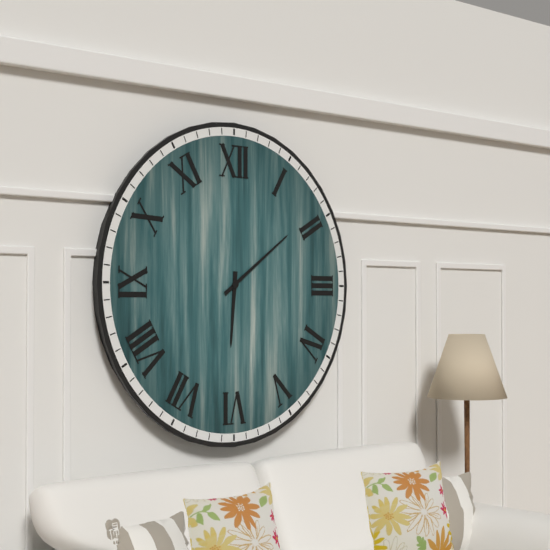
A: 6:09
